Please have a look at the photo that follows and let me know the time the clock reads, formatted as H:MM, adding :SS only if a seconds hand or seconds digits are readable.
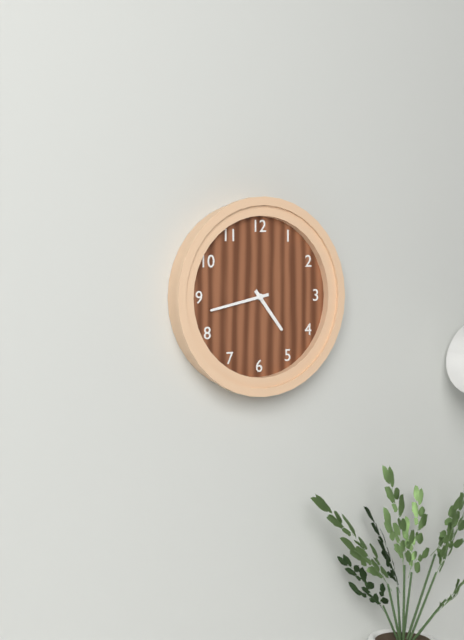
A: 4:43
